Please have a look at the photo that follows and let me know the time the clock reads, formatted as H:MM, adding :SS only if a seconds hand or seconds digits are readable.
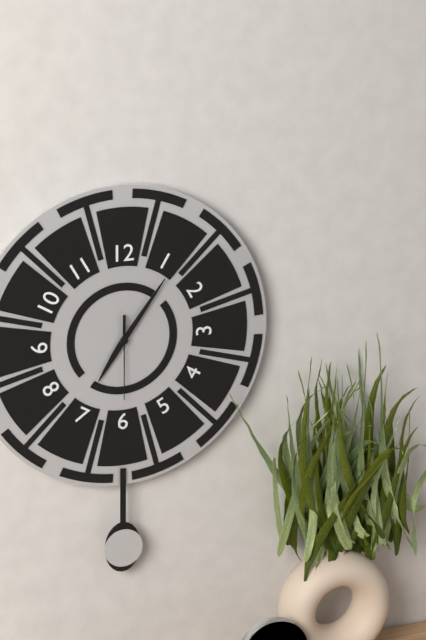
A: 7:06:30
